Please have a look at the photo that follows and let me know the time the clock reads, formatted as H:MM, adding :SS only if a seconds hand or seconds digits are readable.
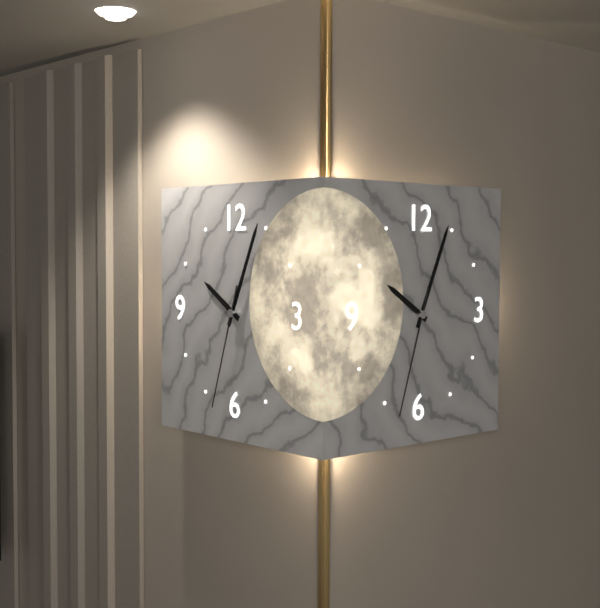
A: 10:04:33
